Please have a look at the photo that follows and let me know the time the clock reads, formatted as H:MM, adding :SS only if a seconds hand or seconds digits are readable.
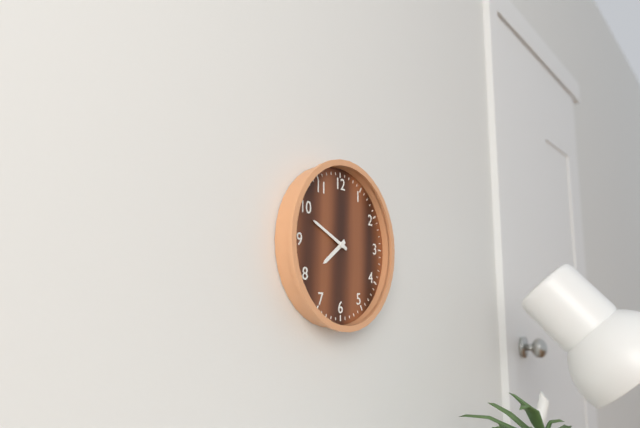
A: 7:49
